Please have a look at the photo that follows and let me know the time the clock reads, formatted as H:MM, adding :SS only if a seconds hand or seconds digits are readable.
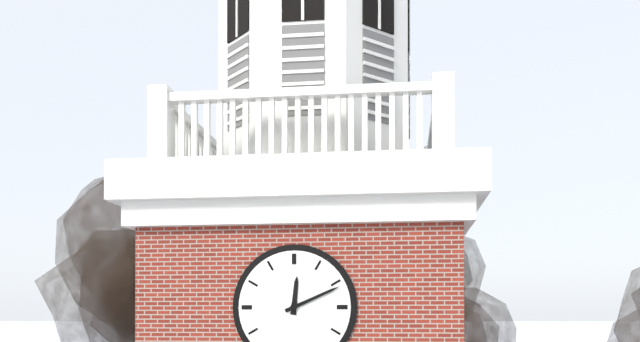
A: 12:11
